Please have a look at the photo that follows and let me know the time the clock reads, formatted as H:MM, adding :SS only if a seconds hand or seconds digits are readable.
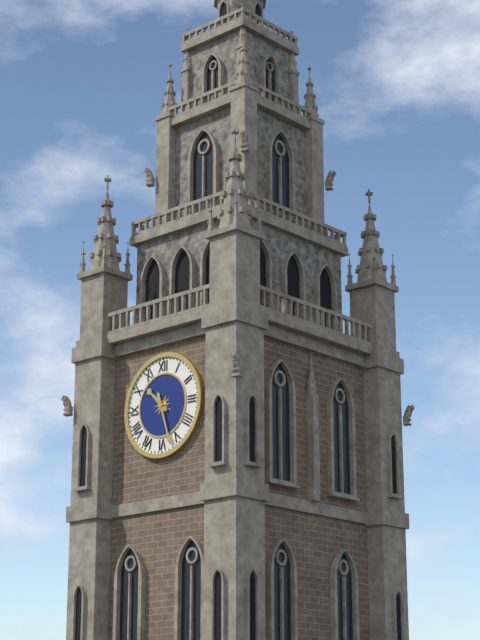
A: 10:27
